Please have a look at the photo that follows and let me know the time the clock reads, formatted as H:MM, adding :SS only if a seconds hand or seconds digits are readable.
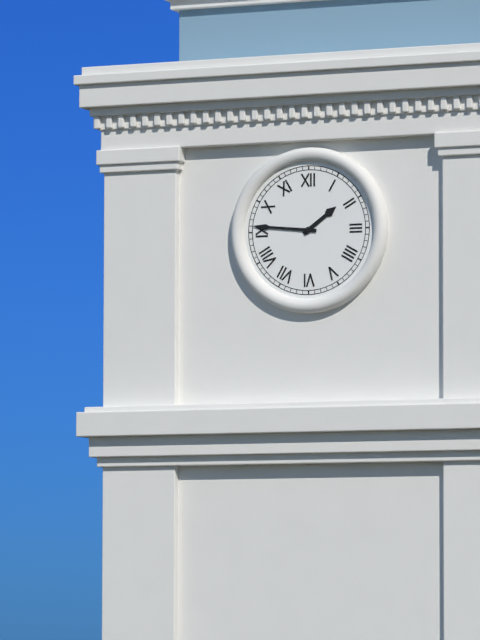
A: 1:46
